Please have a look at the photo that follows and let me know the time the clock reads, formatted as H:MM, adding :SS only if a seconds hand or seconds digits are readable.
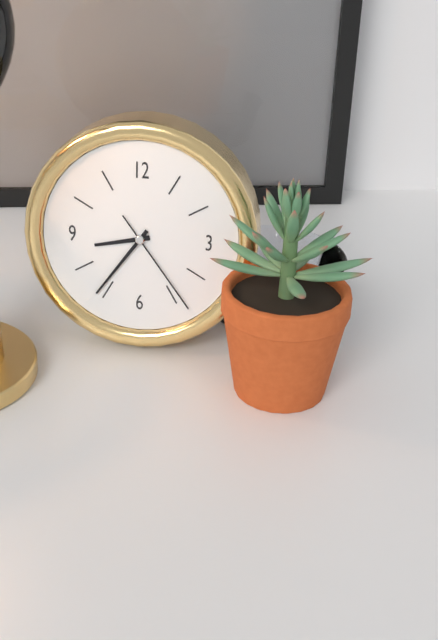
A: 8:36:24
